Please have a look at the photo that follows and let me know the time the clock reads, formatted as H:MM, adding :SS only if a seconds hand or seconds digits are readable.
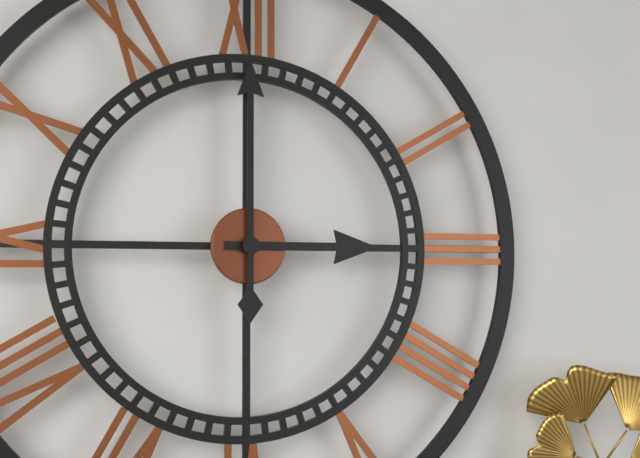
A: 3:00
